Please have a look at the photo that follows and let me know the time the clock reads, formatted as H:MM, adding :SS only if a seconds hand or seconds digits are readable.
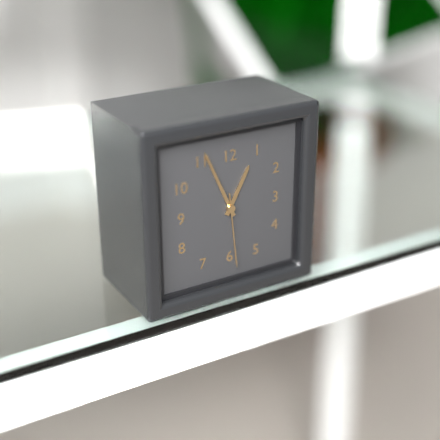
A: 12:56:29
